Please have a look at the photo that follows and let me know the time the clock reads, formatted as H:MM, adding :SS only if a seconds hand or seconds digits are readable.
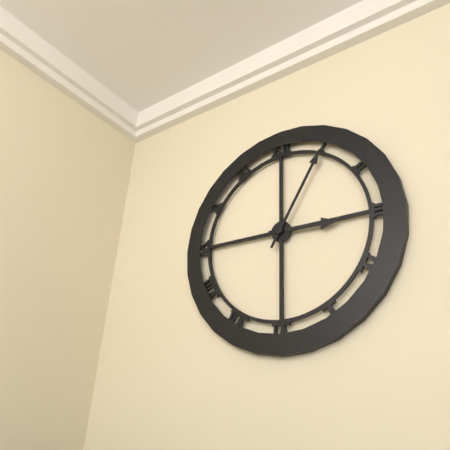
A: 3:05
